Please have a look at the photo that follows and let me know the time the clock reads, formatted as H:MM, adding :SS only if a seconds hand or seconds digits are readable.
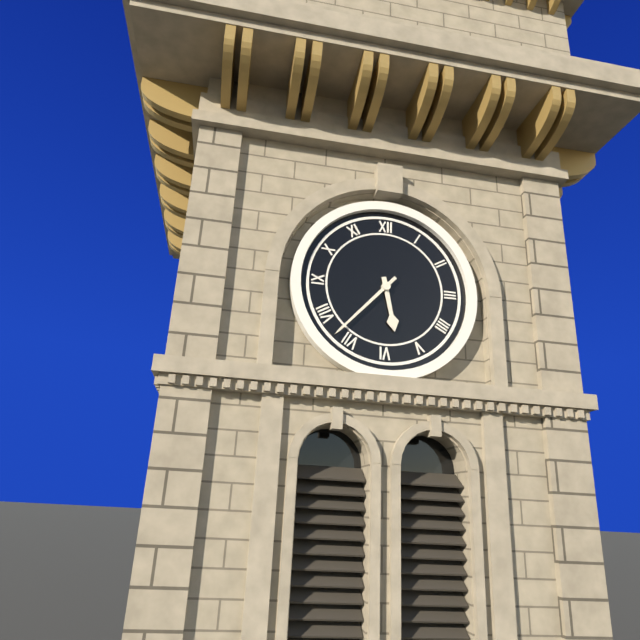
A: 5:37
